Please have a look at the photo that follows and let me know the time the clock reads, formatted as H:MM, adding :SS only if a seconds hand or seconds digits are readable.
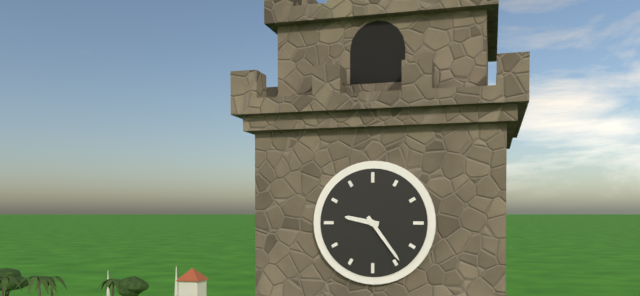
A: 9:24
